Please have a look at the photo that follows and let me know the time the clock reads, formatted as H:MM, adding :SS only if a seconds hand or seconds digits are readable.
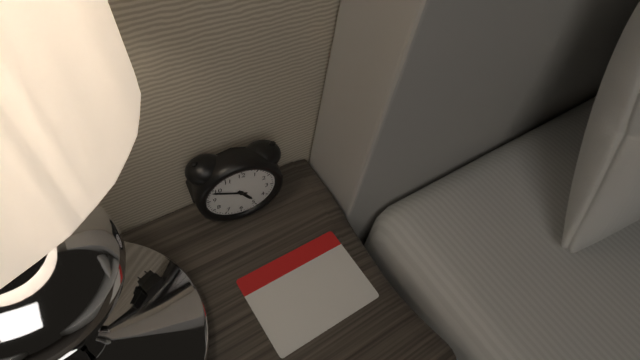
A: 4:49
